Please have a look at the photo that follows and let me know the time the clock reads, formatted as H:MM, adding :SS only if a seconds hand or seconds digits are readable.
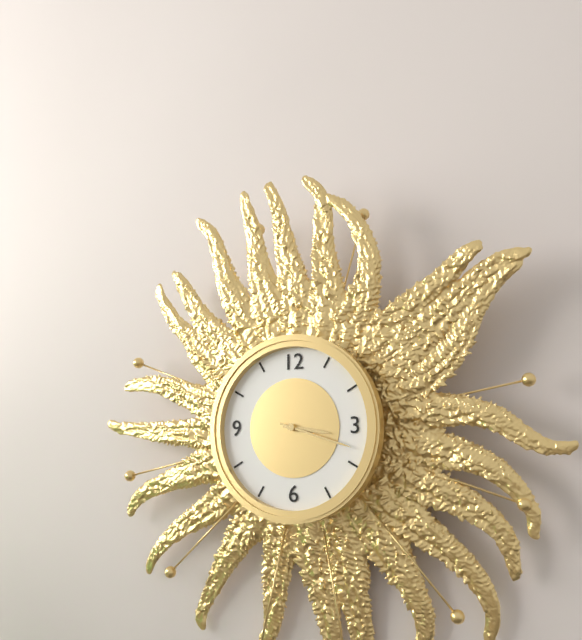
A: 3:18
